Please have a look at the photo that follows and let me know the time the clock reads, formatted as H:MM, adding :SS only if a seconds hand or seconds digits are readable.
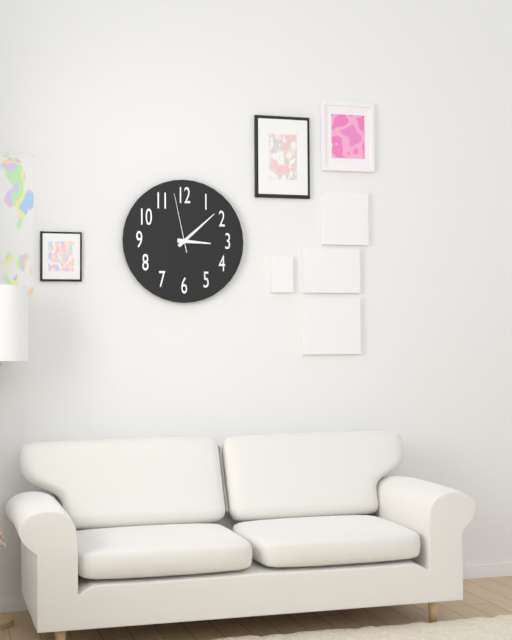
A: 3:08:58
